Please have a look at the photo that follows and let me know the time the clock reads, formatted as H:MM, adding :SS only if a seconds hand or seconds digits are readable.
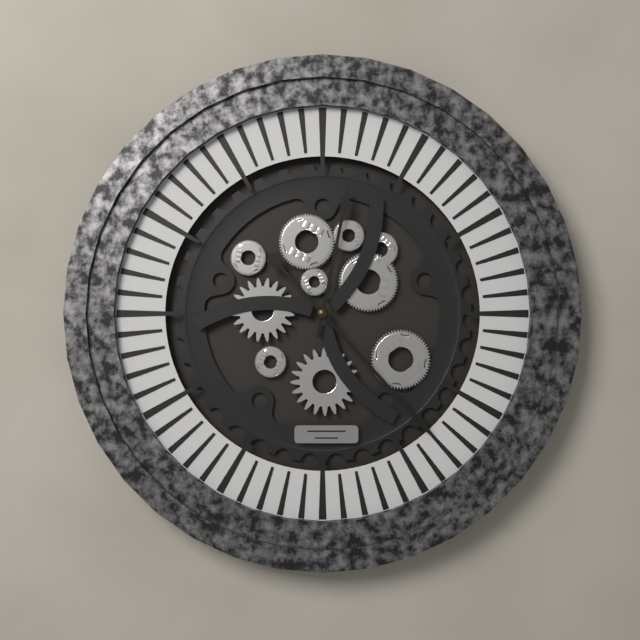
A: 12:23
